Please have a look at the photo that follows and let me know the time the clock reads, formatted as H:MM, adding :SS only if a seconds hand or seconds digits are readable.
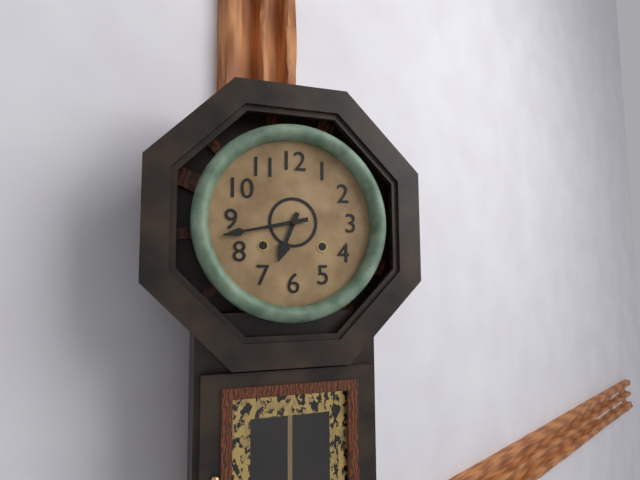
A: 6:43
